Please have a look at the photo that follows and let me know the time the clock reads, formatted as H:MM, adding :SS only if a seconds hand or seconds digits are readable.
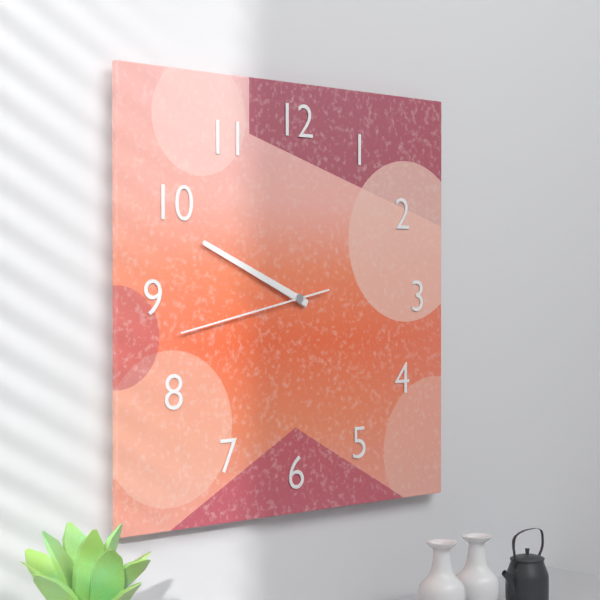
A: 9:49:43
